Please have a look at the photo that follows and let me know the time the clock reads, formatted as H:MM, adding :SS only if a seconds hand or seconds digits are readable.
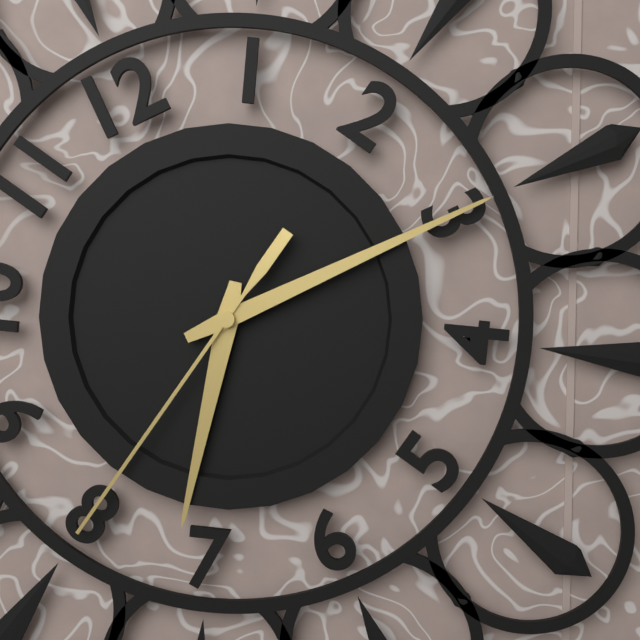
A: 7:15:40
